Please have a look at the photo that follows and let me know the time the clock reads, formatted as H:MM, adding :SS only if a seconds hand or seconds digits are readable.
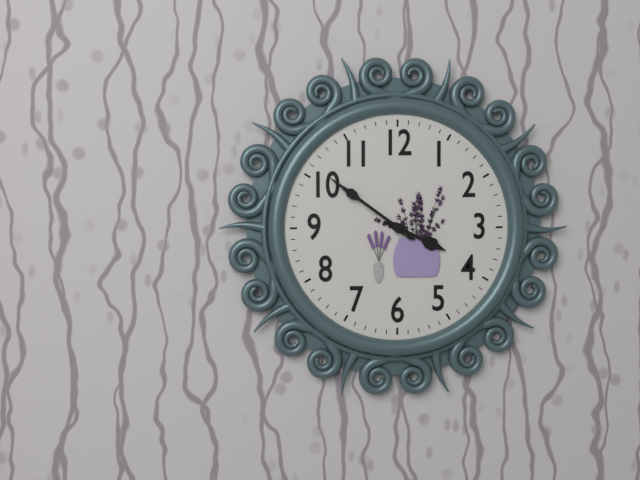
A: 3:51
